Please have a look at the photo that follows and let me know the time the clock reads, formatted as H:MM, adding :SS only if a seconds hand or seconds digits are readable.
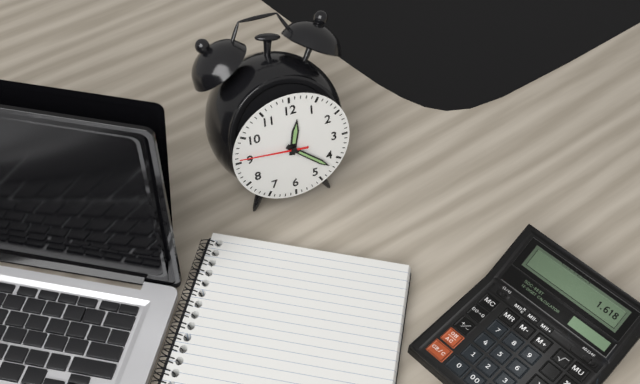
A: 12:22:46
